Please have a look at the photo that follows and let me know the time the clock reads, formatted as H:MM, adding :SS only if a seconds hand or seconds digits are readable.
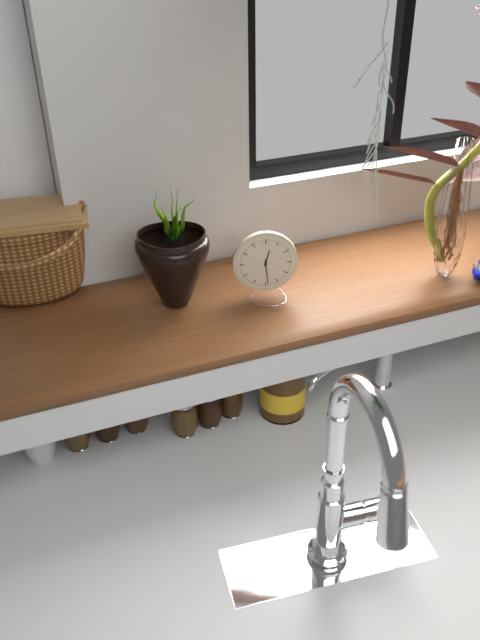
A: 12:29
